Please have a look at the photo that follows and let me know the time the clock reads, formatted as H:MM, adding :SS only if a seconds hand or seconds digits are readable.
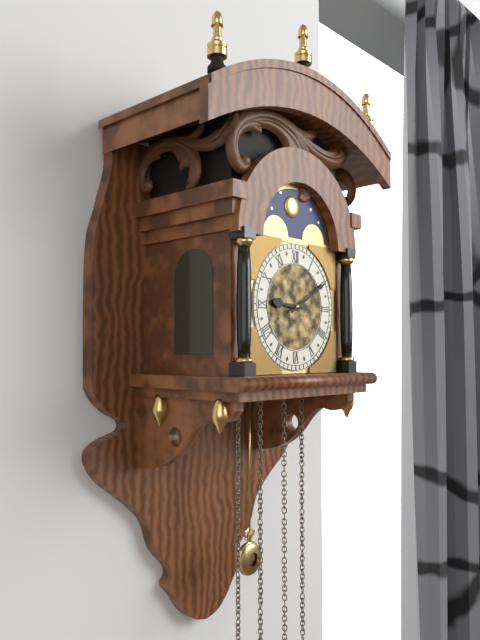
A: 9:10
